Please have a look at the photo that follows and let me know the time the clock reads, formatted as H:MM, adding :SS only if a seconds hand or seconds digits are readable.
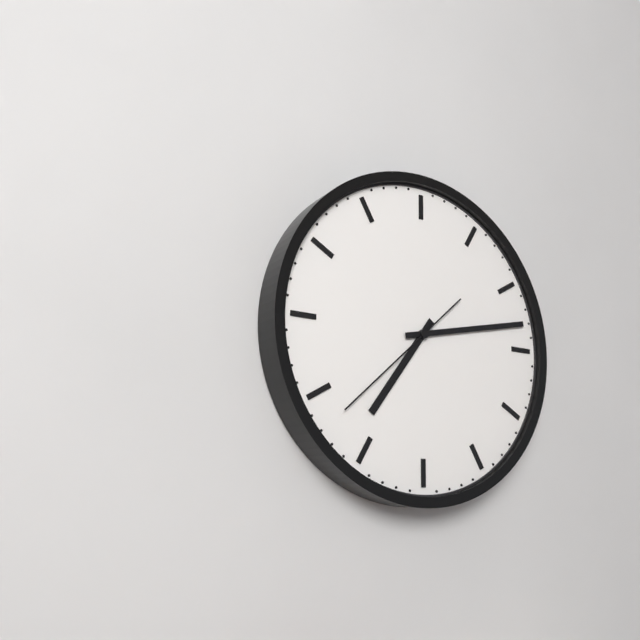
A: 7:13:38
